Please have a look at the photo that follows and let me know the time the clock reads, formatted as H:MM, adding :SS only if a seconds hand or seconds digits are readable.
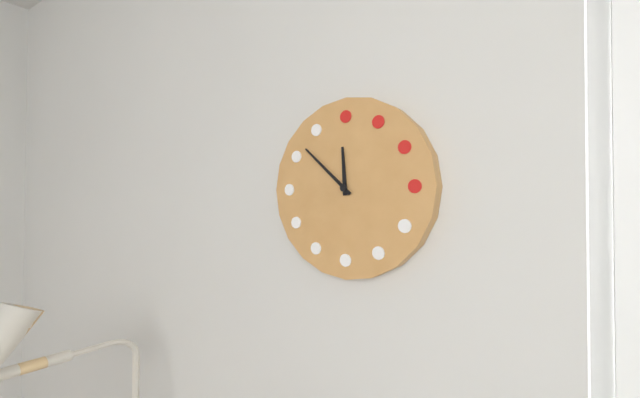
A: 11:52
